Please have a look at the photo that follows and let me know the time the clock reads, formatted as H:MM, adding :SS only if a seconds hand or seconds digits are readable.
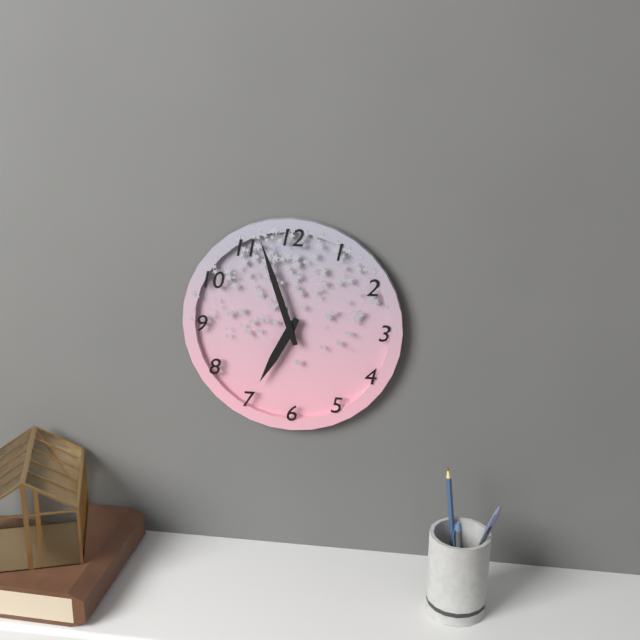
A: 6:57
